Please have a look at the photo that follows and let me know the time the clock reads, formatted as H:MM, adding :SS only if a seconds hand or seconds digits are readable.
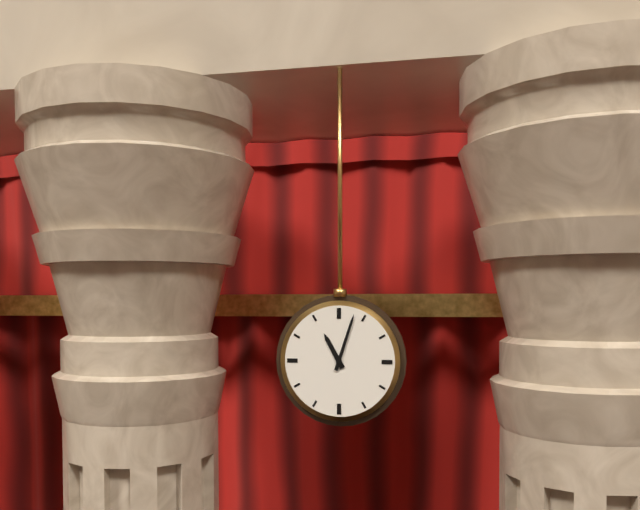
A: 11:03
